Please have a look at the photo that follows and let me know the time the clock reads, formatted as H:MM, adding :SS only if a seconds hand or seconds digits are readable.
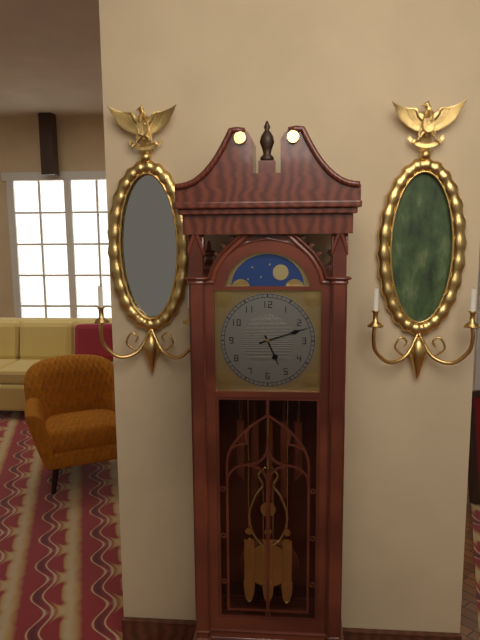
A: 5:12
